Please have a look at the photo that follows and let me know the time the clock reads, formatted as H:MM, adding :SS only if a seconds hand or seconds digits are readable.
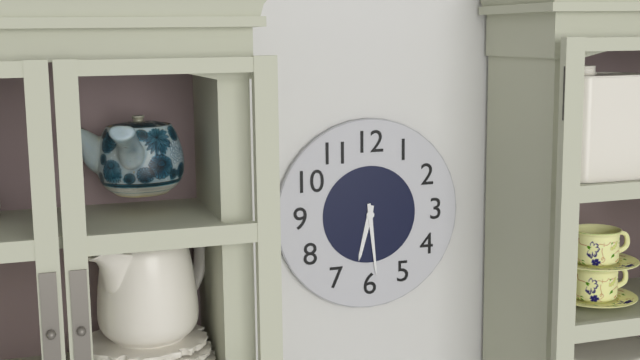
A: 6:29
